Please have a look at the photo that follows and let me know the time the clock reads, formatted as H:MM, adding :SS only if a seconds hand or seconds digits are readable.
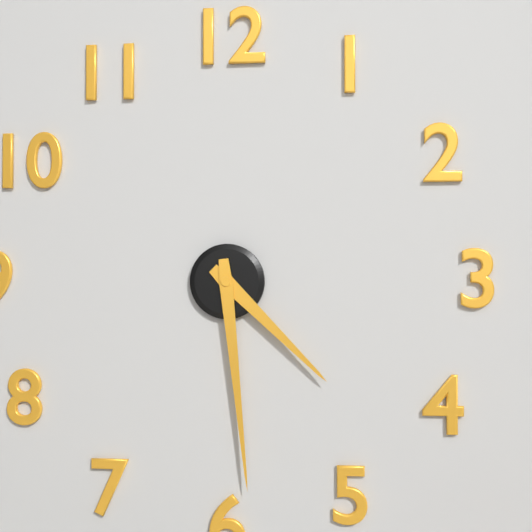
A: 4:29
